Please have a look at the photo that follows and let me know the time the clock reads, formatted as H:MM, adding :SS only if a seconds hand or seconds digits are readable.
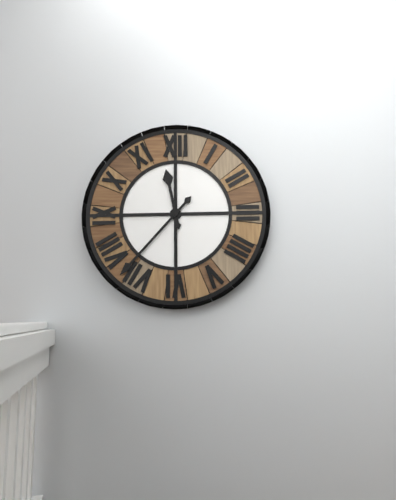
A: 11:37
